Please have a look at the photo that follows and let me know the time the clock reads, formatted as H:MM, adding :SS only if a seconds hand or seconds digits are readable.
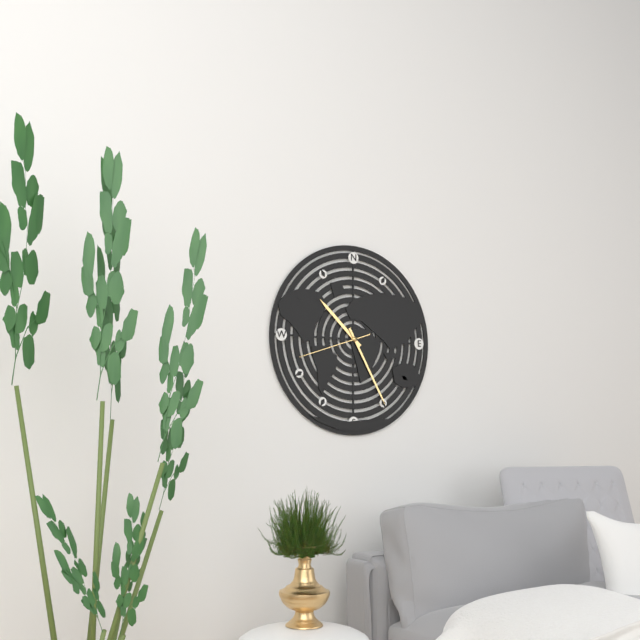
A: 10:25:42
